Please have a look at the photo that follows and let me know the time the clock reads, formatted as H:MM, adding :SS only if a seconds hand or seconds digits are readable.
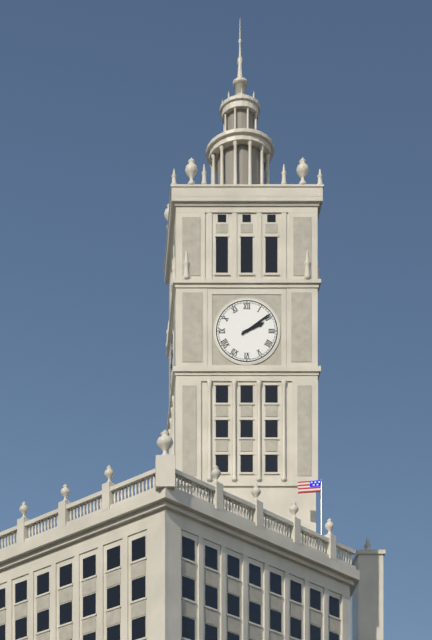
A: 2:09
